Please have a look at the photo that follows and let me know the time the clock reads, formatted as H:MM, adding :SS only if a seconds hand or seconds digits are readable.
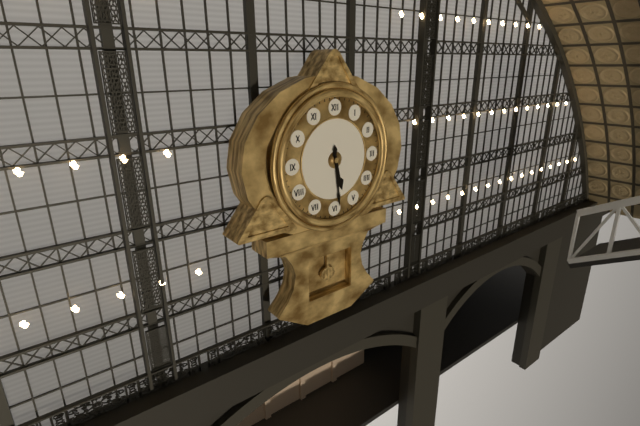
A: 5:29
